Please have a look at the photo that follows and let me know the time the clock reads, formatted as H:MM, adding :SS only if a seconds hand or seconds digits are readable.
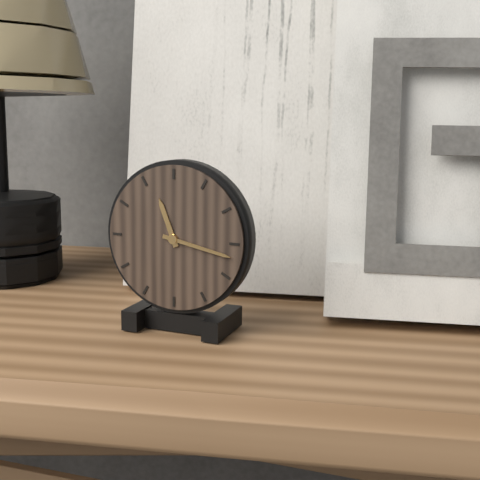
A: 11:17
